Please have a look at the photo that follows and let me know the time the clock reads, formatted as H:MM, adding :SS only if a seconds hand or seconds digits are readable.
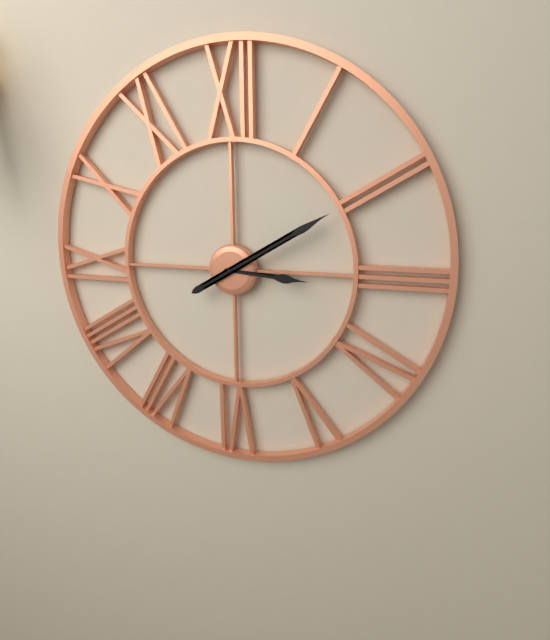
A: 3:10
